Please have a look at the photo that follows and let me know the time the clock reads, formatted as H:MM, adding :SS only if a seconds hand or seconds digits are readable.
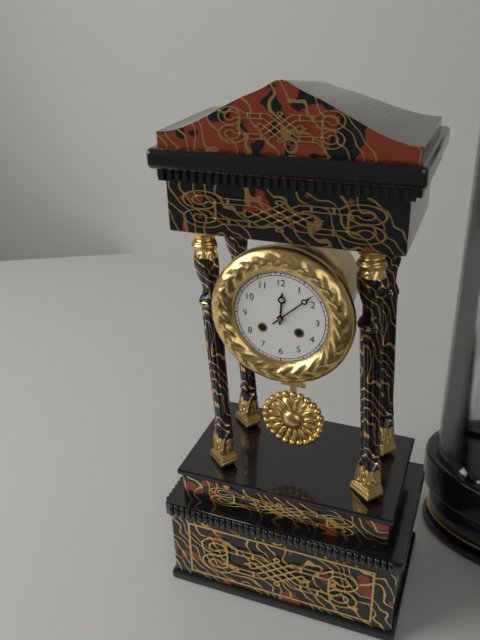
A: 12:08
